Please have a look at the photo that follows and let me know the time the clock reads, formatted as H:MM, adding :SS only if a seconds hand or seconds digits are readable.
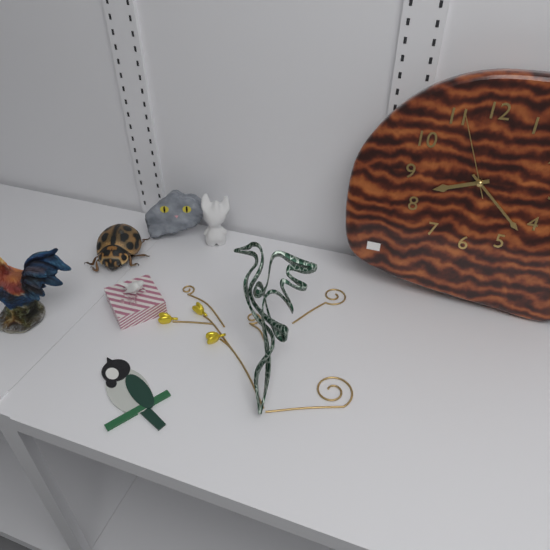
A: 8:22:56
